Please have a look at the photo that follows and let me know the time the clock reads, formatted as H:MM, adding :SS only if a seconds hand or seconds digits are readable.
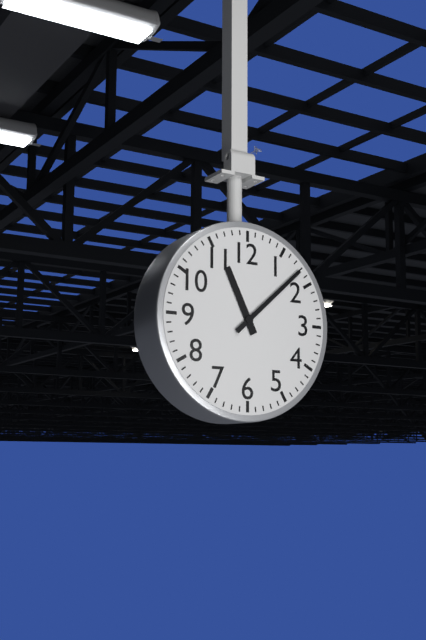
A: 11:08
